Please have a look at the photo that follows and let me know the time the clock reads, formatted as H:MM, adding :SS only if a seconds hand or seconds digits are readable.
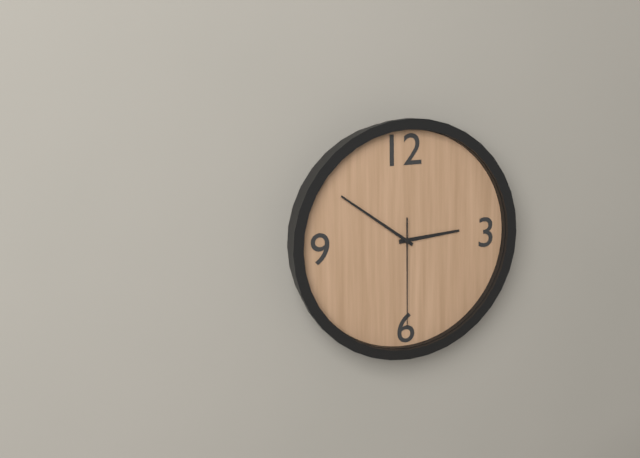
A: 2:51:30
